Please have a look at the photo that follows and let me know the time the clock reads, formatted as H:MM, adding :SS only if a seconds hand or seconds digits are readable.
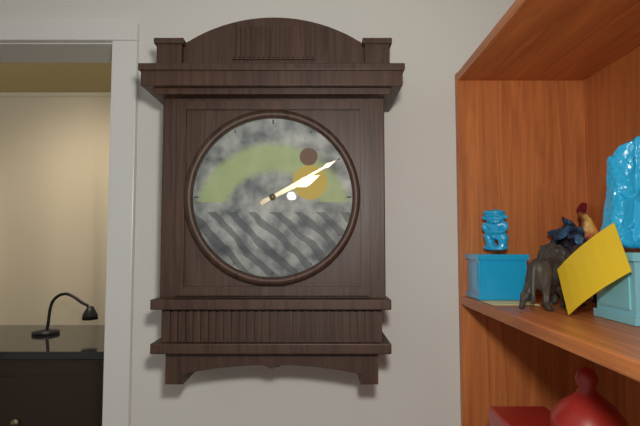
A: 2:10
